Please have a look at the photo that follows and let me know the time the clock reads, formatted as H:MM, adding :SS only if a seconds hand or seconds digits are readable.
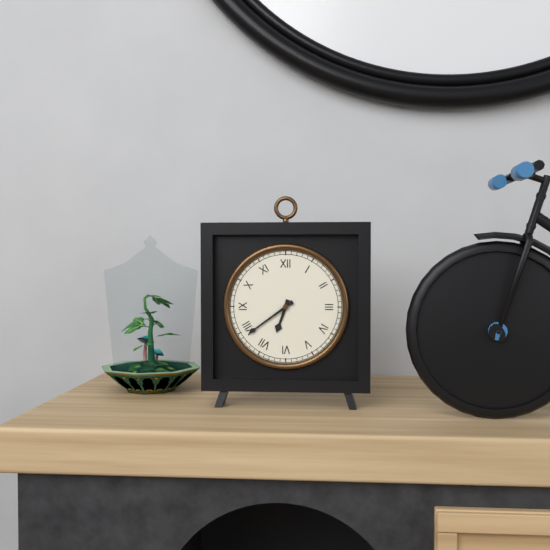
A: 6:39
